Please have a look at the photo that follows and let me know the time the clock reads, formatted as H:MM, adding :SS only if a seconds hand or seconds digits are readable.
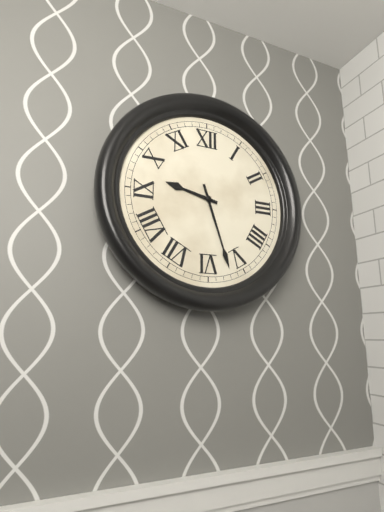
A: 9:27
